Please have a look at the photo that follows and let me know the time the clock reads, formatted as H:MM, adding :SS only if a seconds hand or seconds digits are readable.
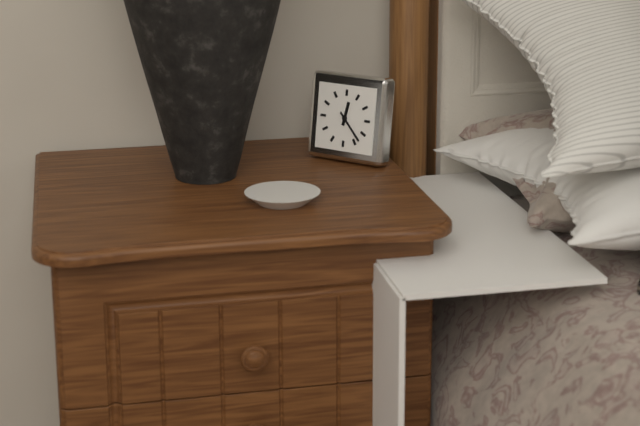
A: 12:23
